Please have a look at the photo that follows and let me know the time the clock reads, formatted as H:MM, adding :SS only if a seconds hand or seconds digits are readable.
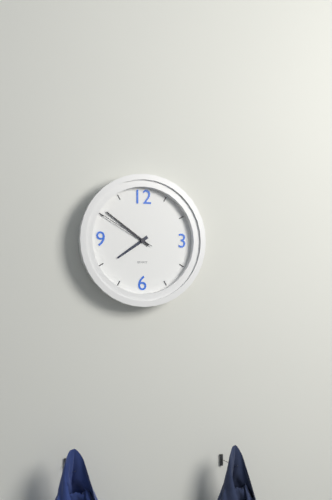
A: 7:51:50
